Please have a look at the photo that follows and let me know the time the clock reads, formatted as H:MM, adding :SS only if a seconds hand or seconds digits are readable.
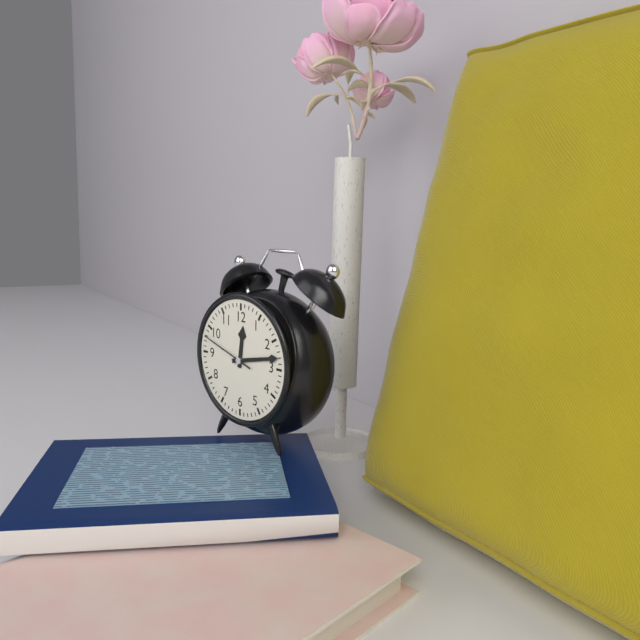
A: 12:13:48
